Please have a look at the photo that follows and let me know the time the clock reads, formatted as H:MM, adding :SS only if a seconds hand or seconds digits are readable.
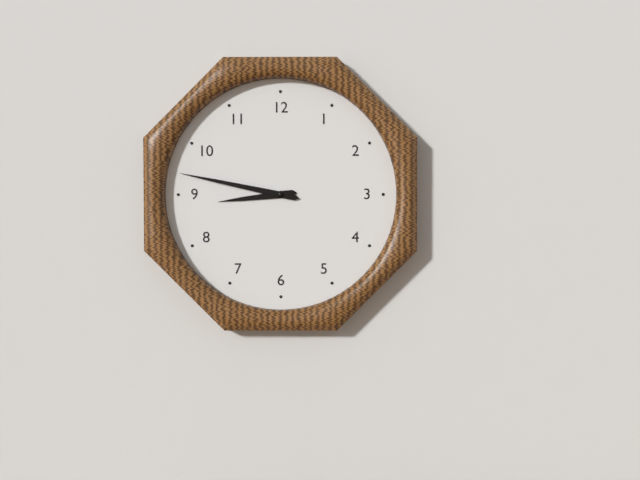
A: 8:47
